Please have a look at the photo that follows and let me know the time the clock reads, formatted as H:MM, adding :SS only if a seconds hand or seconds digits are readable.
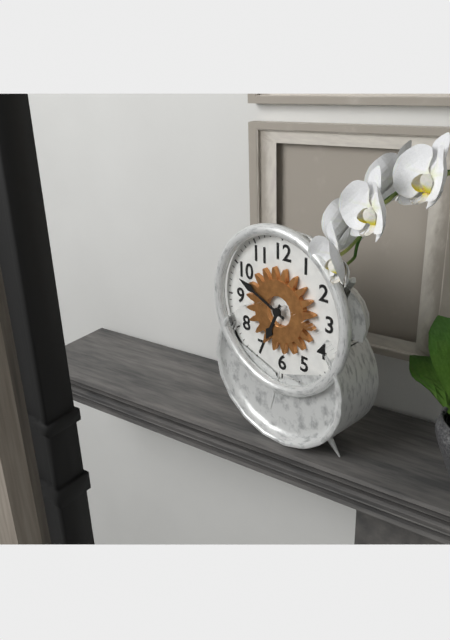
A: 6:49
